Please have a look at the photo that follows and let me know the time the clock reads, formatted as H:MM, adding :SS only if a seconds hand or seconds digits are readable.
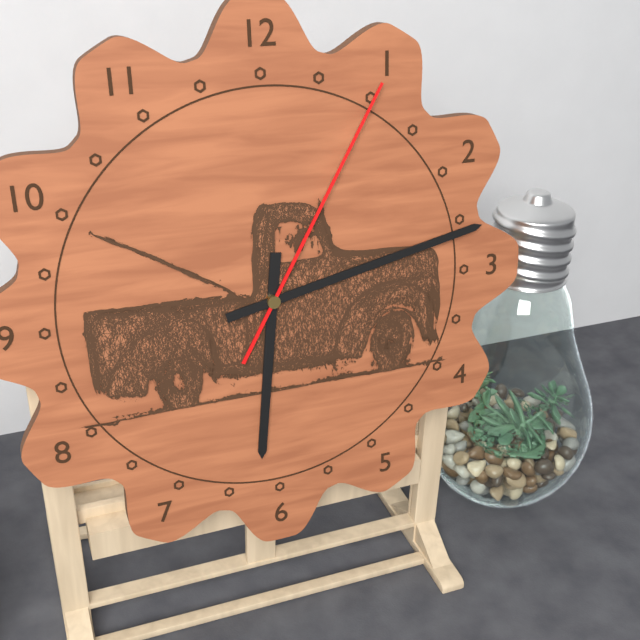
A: 6:13:05
